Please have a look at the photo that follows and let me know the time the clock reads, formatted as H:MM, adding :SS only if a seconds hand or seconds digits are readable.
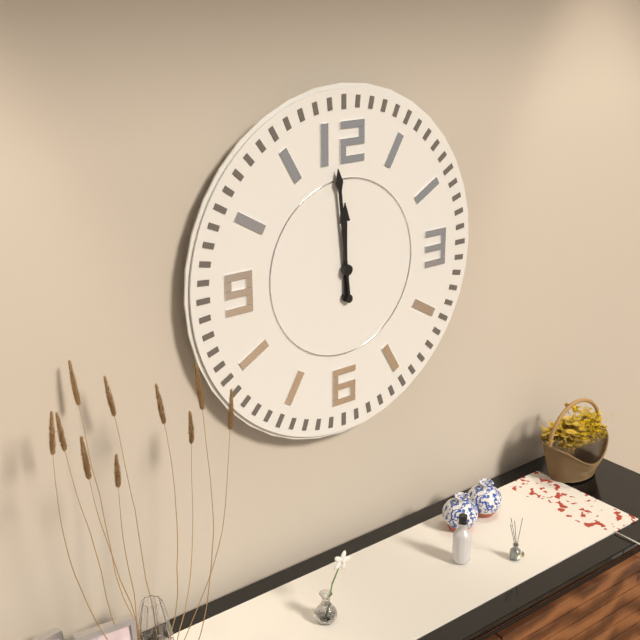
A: 11:59
